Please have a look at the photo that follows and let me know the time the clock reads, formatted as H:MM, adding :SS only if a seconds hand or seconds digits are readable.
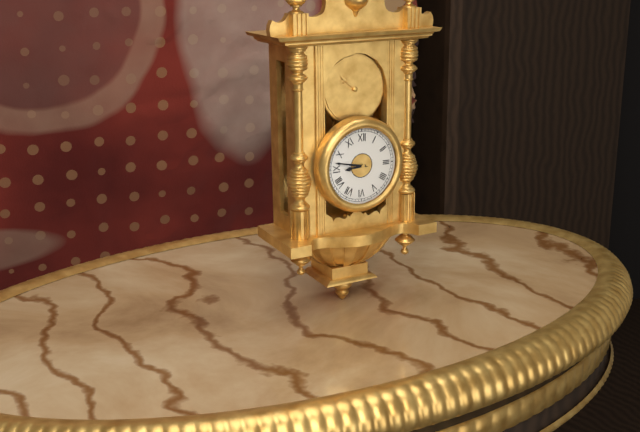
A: 8:47
